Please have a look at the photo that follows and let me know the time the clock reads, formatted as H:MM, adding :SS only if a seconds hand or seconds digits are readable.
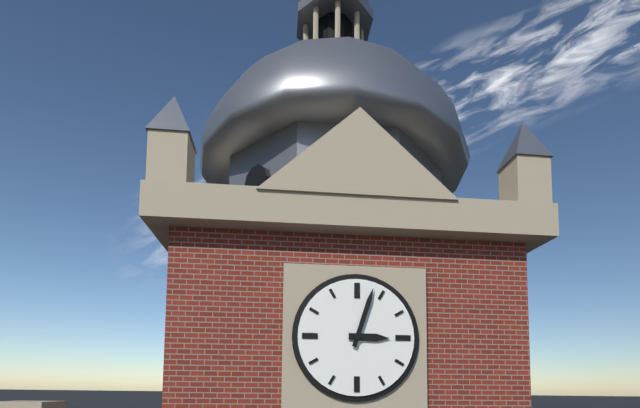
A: 3:03
